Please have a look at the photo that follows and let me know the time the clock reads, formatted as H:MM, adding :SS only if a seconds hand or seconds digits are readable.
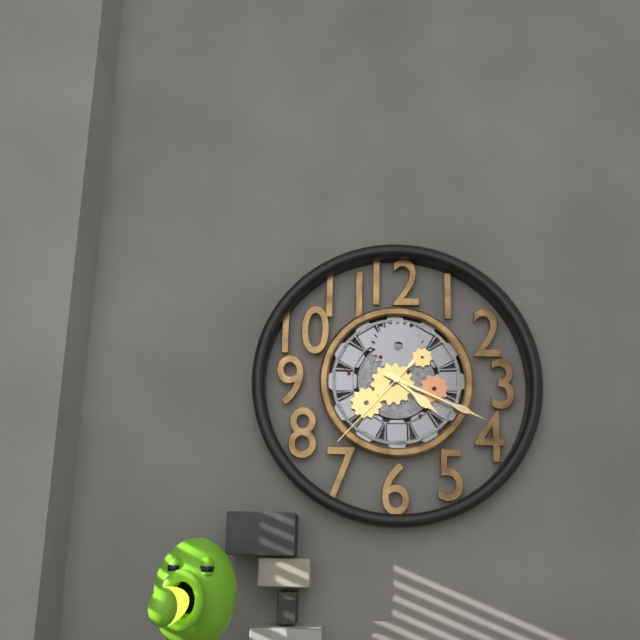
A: 4:19:37
